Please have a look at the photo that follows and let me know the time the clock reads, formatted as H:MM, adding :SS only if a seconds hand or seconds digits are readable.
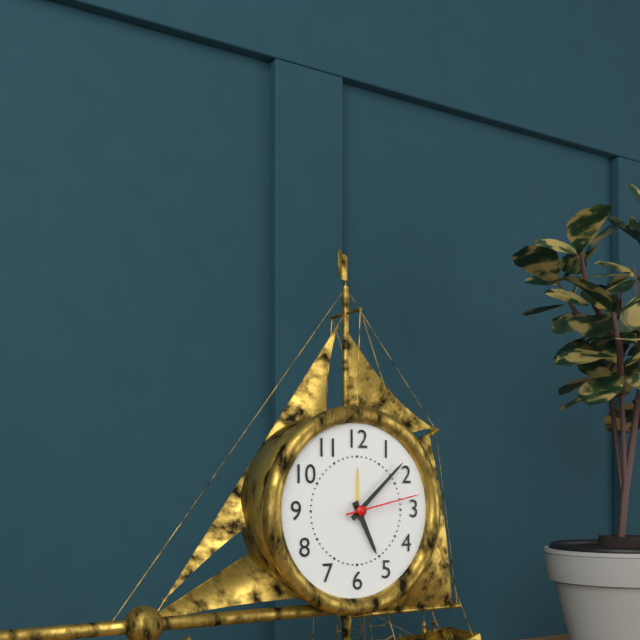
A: 5:08:13
